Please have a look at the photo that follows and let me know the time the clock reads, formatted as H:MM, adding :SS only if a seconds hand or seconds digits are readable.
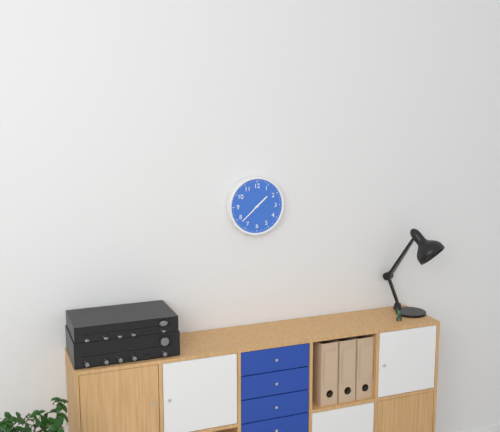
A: 1:38
